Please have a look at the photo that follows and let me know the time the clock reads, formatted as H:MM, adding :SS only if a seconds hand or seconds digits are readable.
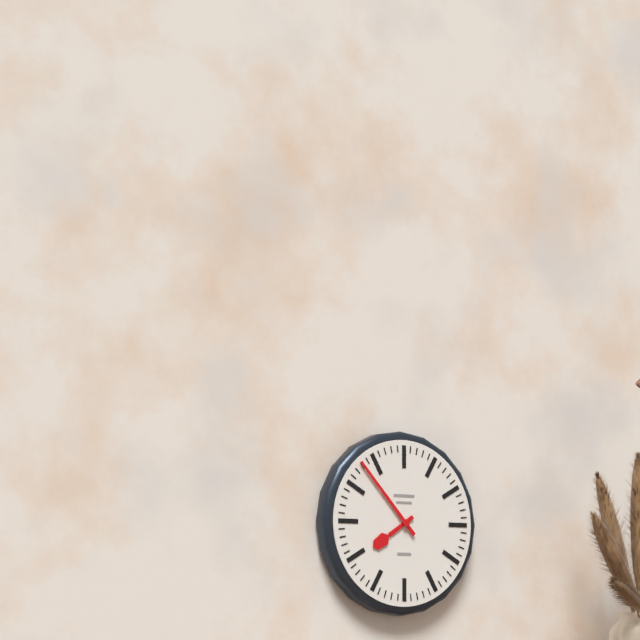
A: 7:53
